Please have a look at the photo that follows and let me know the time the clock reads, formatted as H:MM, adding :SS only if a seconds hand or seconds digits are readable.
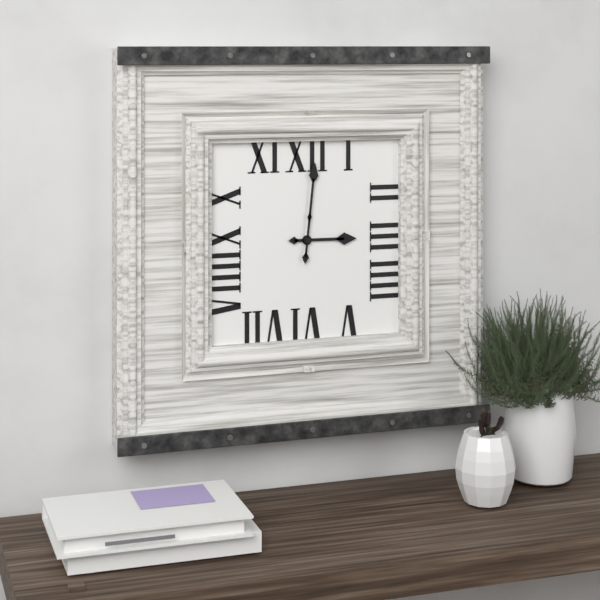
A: 3:01
